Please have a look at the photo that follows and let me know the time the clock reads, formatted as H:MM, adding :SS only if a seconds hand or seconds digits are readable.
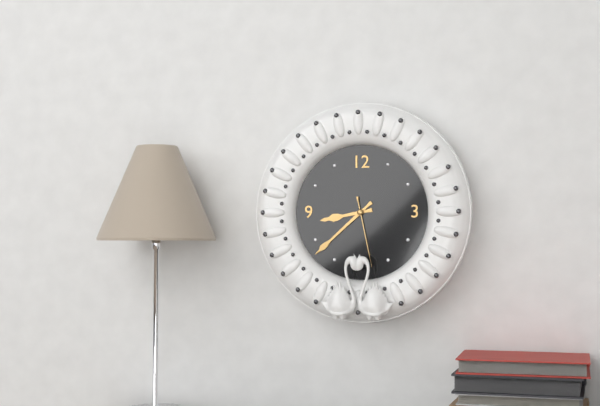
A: 8:38:28
